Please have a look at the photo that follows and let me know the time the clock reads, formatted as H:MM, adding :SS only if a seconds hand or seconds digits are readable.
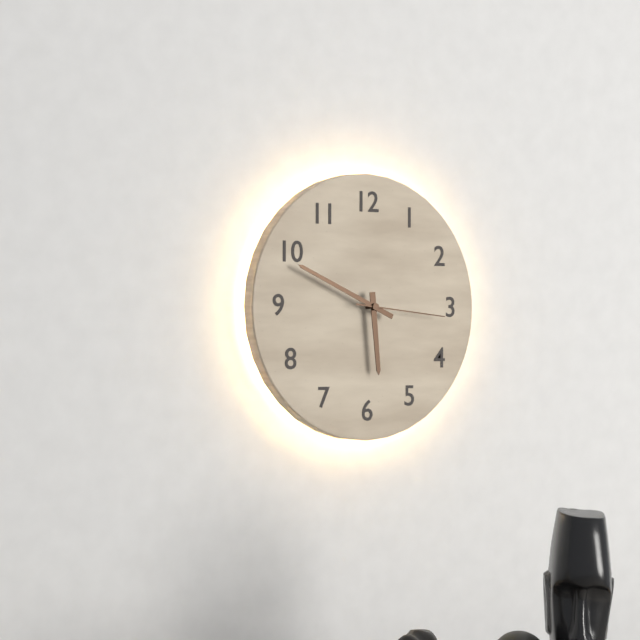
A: 5:49:16
